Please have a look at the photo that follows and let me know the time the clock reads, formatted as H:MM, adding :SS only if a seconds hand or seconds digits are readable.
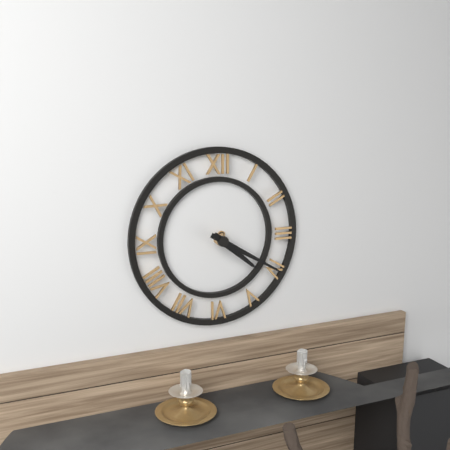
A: 4:20
